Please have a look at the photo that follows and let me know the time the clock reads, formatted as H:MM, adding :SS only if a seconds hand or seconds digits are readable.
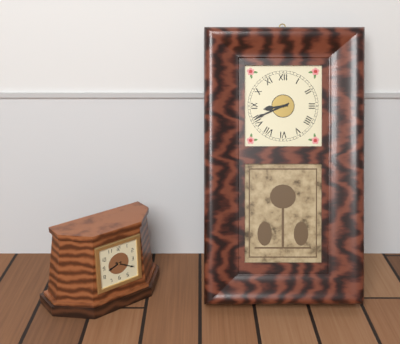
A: 8:41
